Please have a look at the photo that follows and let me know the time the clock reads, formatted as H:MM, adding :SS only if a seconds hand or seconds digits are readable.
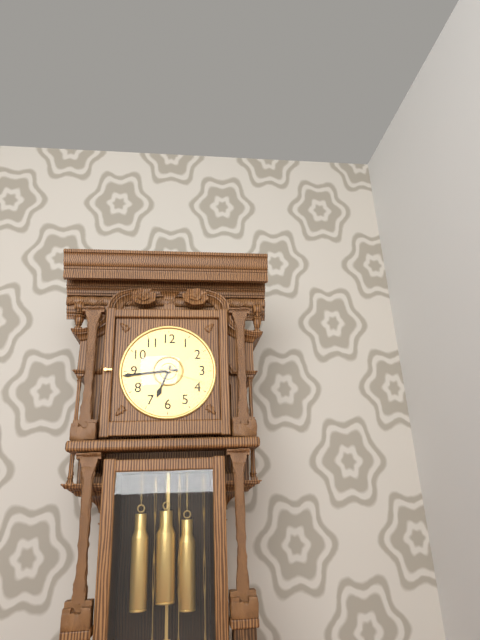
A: 6:44
